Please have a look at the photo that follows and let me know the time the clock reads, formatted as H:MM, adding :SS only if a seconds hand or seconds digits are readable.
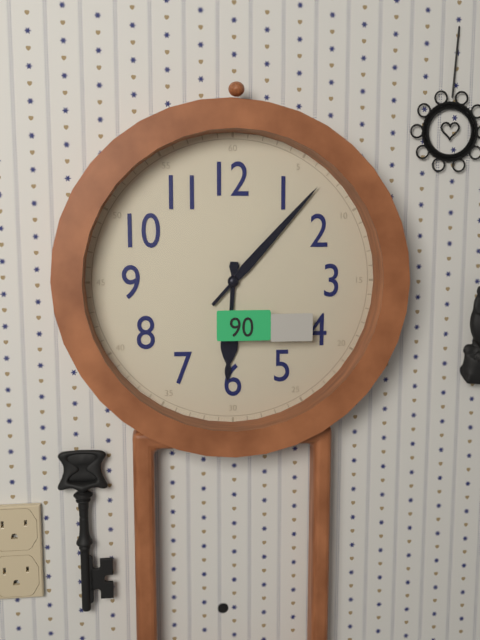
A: 6:07
